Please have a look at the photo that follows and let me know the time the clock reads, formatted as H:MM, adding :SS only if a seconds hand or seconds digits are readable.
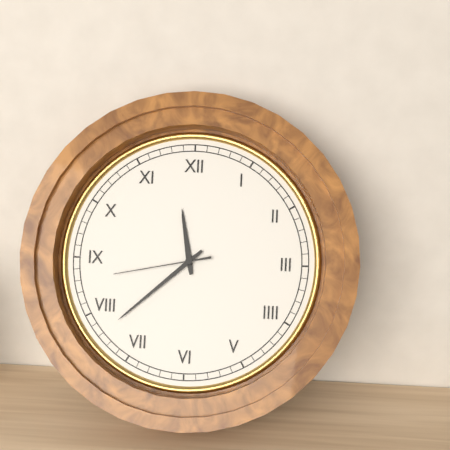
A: 11:38:43
